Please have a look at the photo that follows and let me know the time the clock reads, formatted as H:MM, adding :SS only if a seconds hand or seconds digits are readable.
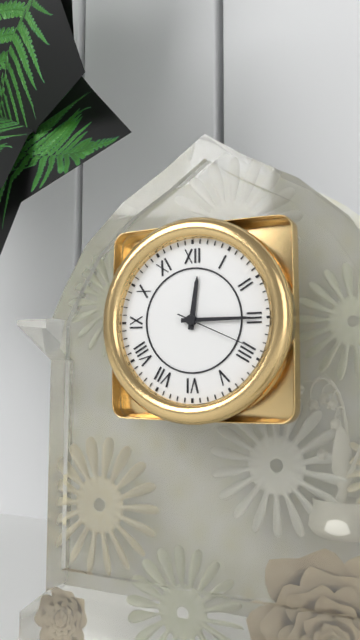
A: 12:15:19
